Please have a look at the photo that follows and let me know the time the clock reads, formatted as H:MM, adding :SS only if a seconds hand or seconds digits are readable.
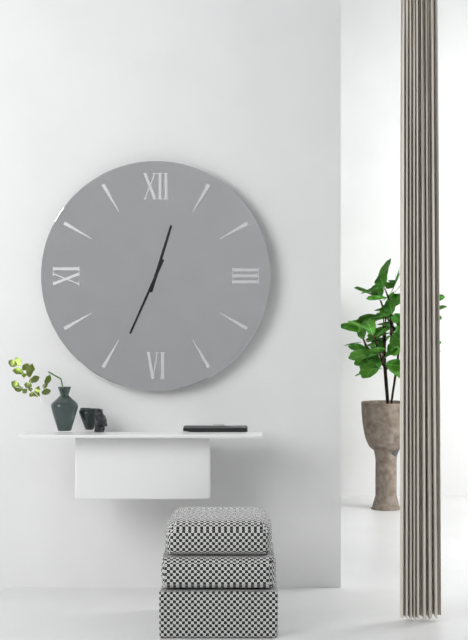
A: 12:34
